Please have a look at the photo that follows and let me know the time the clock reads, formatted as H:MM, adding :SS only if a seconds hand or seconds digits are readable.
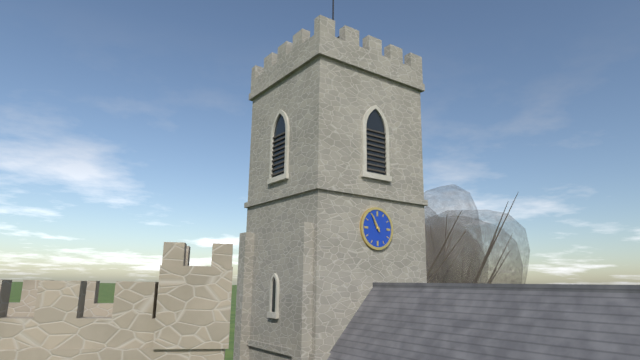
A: 10:55
